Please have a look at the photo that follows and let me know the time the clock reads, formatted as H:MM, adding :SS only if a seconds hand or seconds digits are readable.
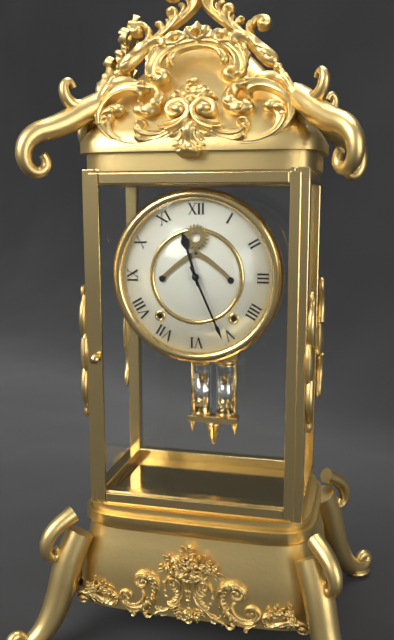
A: 11:26
